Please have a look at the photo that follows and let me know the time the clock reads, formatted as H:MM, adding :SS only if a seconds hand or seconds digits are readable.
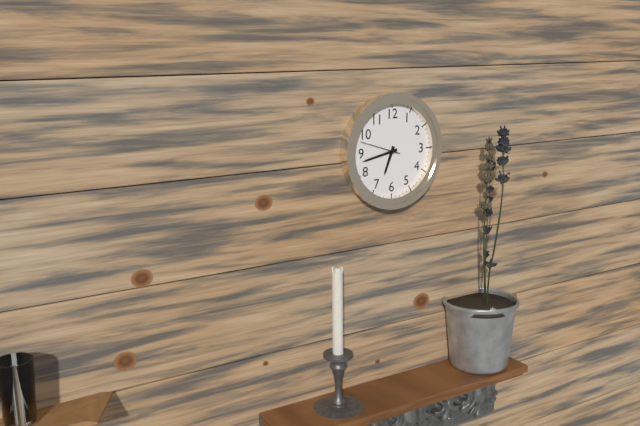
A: 6:43
